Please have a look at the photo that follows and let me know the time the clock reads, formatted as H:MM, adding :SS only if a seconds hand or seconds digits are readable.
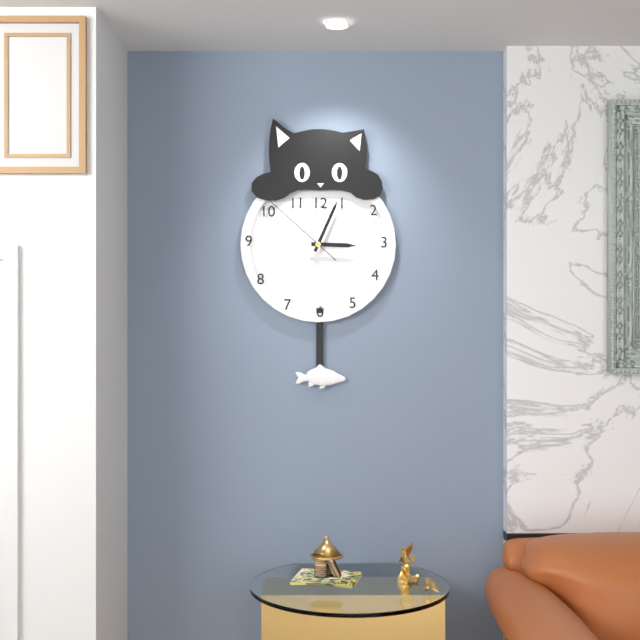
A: 3:04:52
